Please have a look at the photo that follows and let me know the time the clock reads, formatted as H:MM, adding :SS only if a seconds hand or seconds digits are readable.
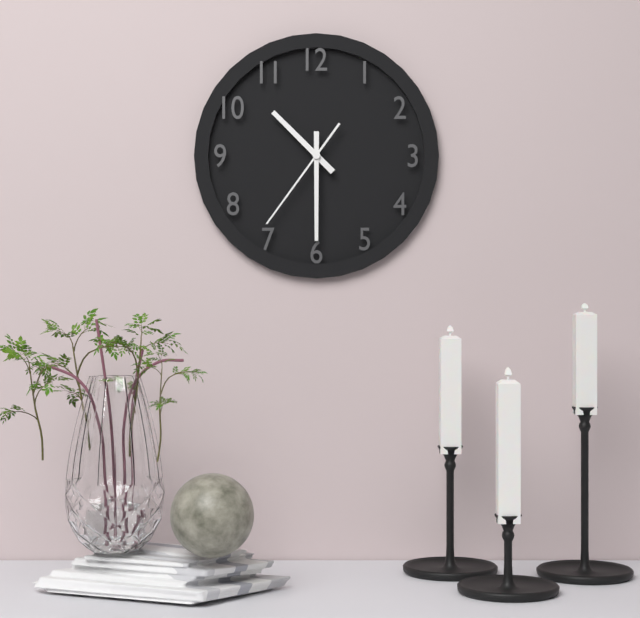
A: 10:30:36
